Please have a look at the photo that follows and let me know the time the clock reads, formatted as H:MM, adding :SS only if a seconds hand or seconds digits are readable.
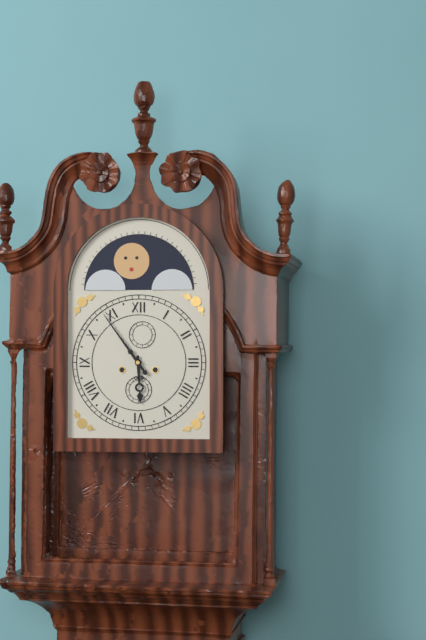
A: 5:54
